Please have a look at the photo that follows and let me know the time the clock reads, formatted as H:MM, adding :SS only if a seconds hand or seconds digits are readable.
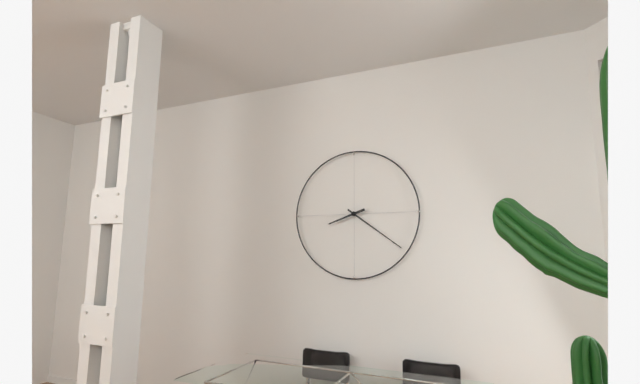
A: 8:21
